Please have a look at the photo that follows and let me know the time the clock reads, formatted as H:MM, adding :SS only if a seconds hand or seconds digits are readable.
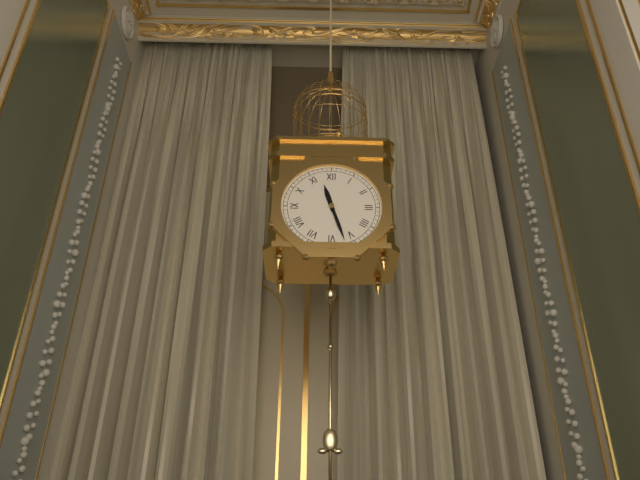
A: 11:27
